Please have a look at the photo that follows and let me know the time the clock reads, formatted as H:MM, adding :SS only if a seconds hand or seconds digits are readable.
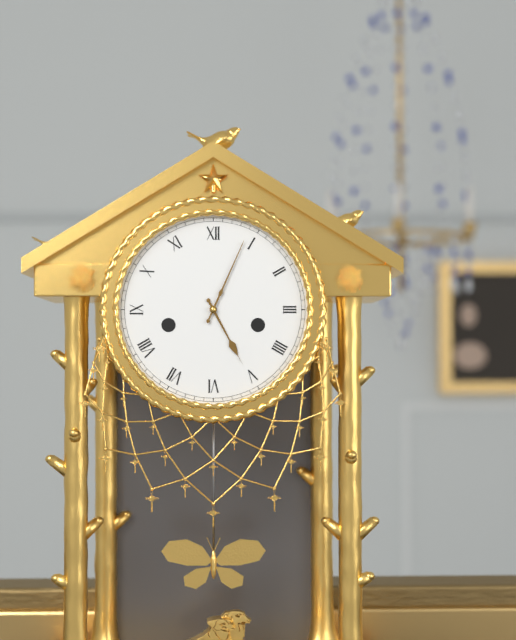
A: 5:04
